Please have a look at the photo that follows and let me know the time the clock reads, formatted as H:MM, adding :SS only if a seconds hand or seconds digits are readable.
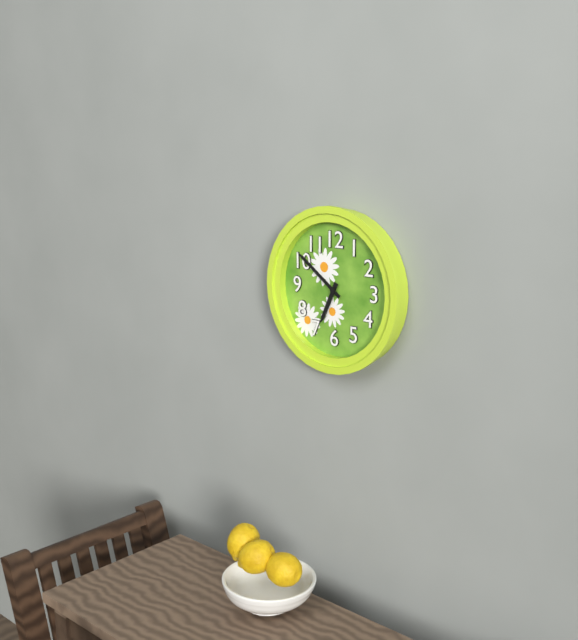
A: 6:51
